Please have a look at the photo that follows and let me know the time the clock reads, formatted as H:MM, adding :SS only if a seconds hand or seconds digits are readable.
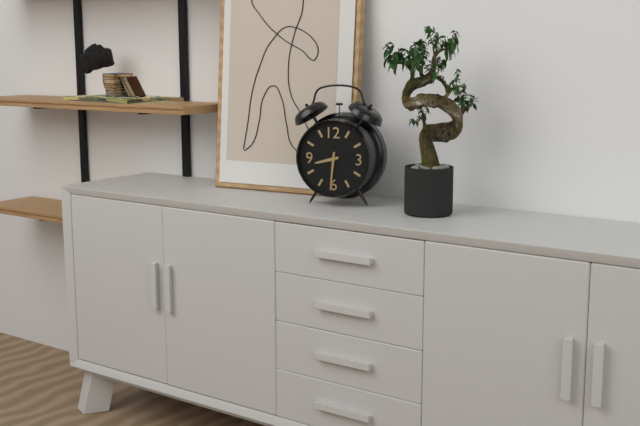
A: 8:31
